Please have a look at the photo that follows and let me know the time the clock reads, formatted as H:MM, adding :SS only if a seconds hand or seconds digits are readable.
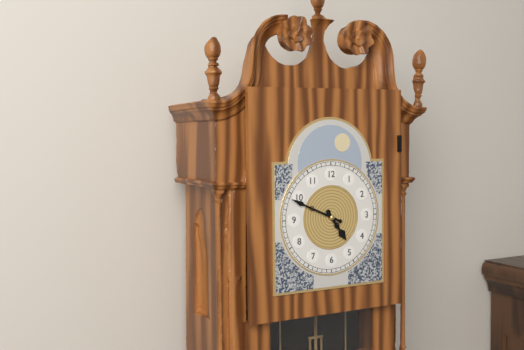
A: 4:49
